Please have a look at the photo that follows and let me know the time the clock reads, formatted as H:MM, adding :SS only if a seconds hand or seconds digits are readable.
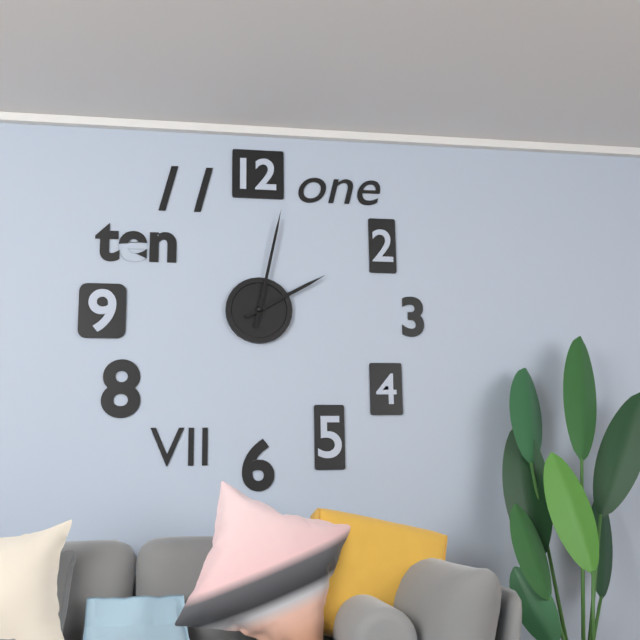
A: 2:02
